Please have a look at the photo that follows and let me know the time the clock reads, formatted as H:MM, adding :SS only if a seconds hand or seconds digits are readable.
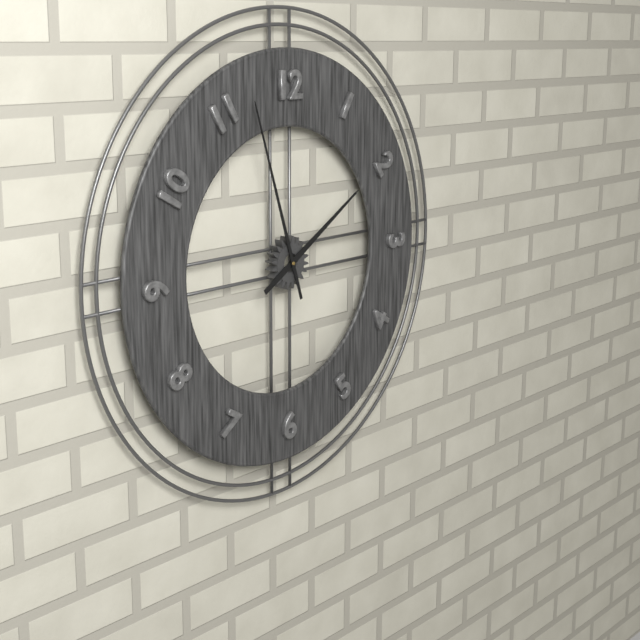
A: 1:57
